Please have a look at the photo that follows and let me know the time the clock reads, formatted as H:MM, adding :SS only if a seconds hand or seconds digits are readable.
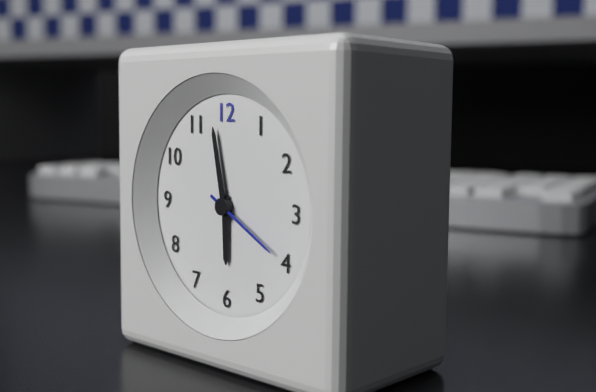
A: 5:58:20
